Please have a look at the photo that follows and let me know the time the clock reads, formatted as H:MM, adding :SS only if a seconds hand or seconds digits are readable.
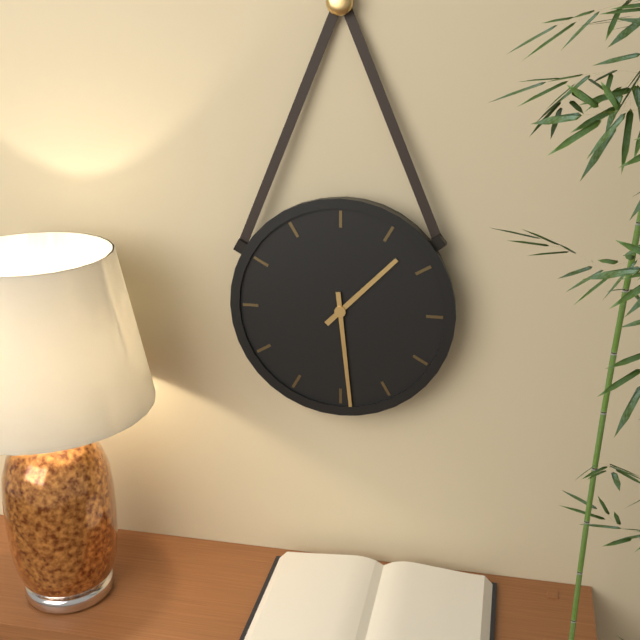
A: 1:29
